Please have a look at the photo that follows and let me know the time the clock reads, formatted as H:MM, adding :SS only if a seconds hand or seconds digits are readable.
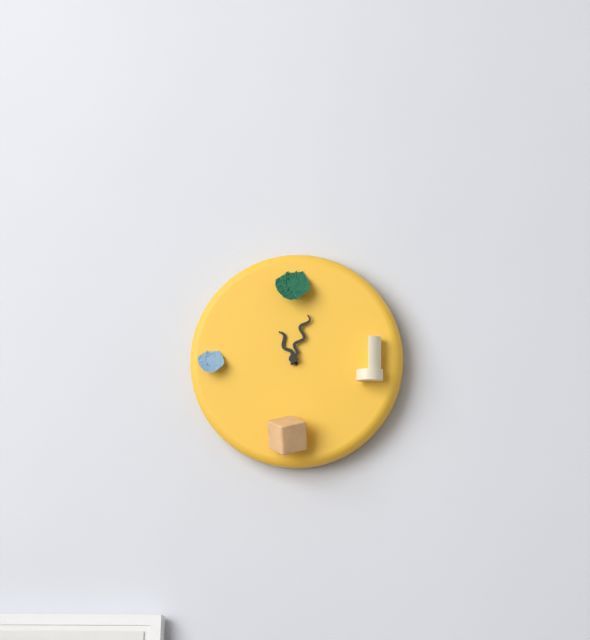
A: 11:03
